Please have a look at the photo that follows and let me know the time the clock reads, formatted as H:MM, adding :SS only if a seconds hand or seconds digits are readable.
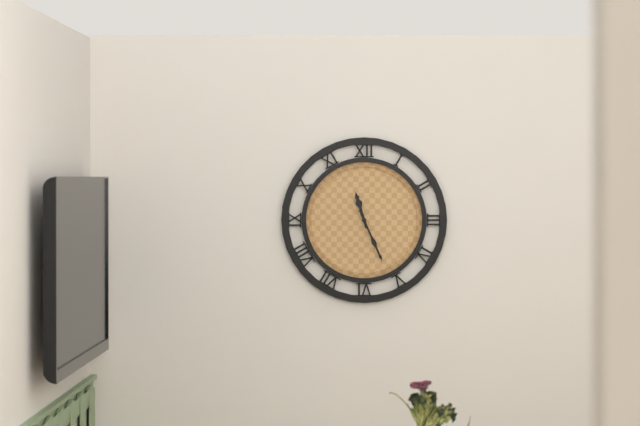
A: 11:26
